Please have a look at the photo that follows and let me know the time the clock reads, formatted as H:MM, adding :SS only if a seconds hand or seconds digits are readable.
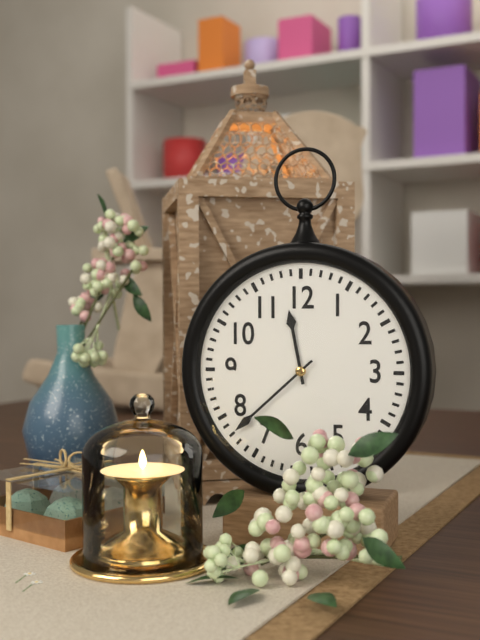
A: 11:38
